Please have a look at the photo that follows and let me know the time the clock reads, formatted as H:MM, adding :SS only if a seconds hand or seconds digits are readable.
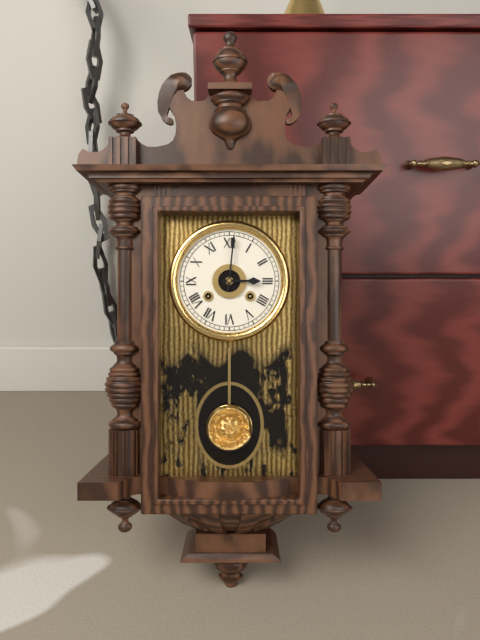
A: 3:01
